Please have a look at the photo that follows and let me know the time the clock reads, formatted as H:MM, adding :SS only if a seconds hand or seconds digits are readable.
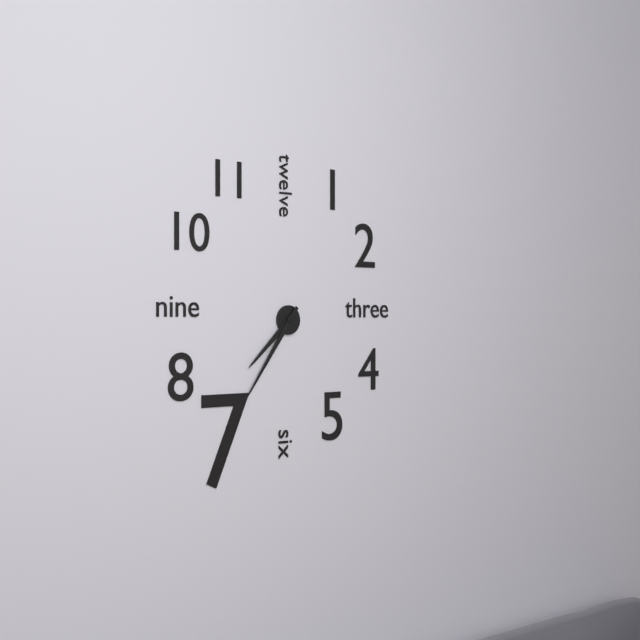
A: 7:36
